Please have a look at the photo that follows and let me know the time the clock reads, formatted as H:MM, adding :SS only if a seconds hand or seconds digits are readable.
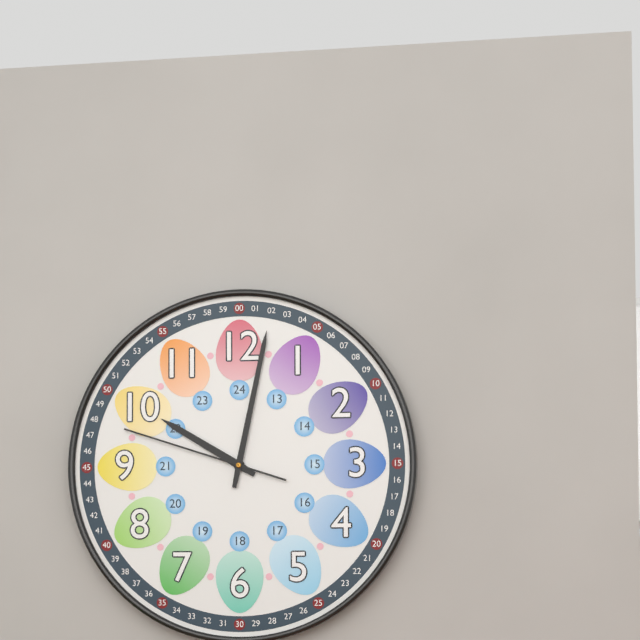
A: 10:02:48
